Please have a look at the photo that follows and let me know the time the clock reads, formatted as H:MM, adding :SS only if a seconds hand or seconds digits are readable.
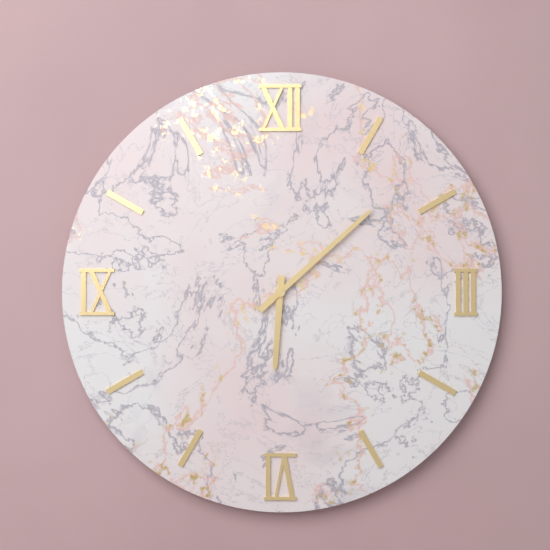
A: 6:08
